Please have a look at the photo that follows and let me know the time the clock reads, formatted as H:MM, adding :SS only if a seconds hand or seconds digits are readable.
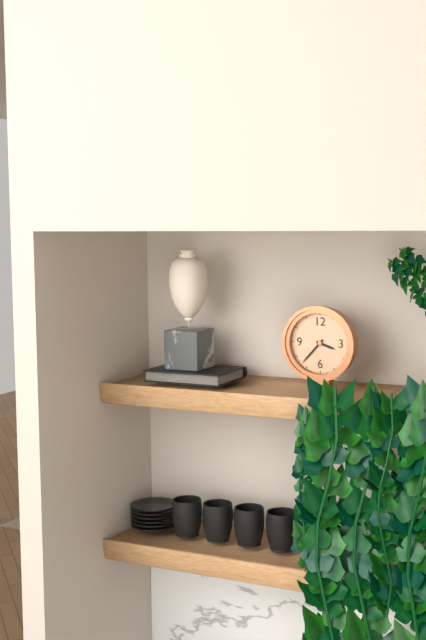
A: 3:37
